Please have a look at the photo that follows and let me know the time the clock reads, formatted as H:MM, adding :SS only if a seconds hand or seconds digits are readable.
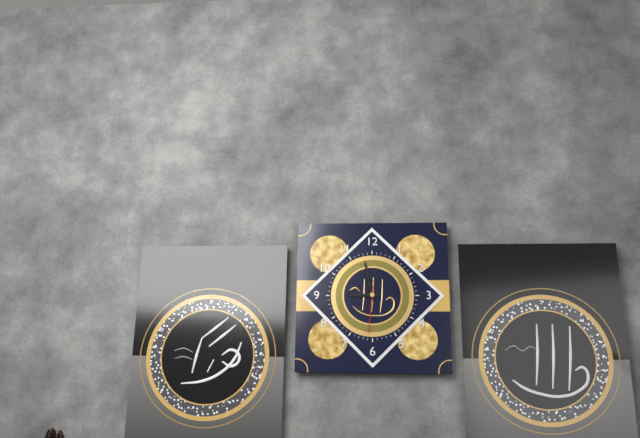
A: 8:58
